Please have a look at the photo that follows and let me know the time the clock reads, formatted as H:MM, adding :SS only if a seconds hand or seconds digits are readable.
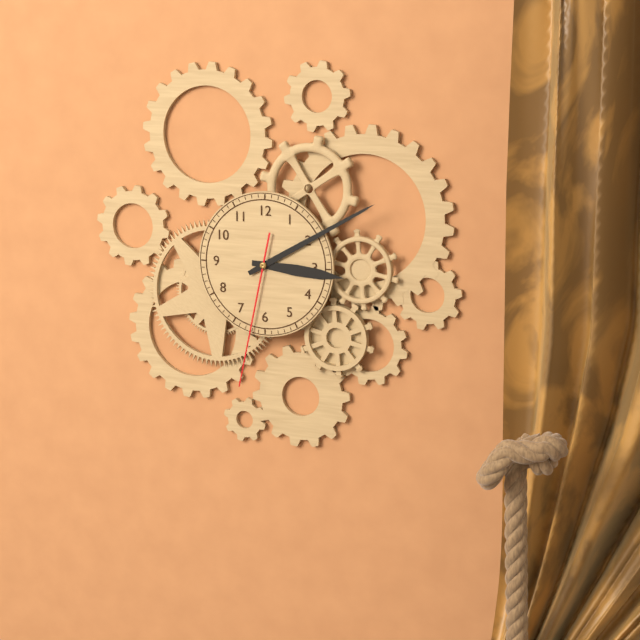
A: 3:10:32
